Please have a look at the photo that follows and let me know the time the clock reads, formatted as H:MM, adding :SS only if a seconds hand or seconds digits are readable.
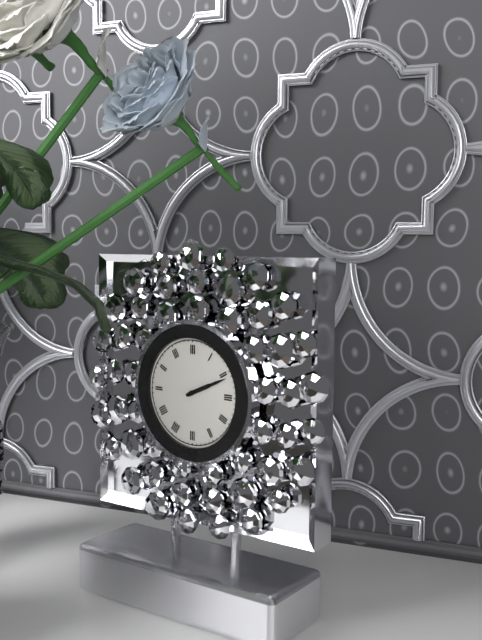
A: 2:11
